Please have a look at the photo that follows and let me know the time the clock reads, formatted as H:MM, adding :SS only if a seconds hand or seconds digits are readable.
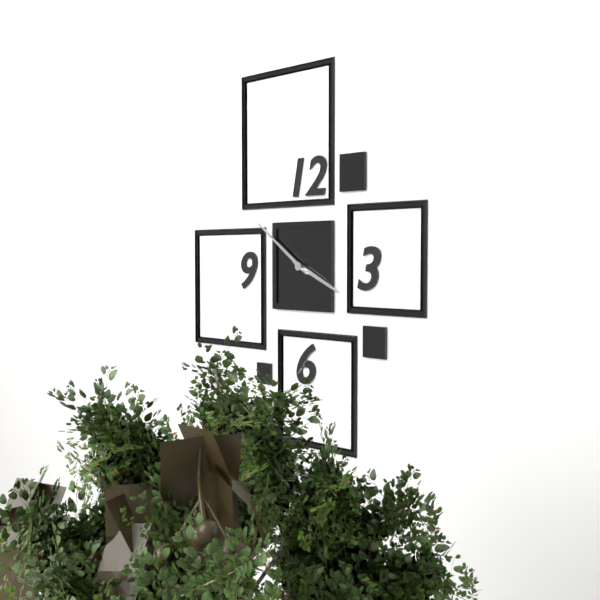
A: 3:51
